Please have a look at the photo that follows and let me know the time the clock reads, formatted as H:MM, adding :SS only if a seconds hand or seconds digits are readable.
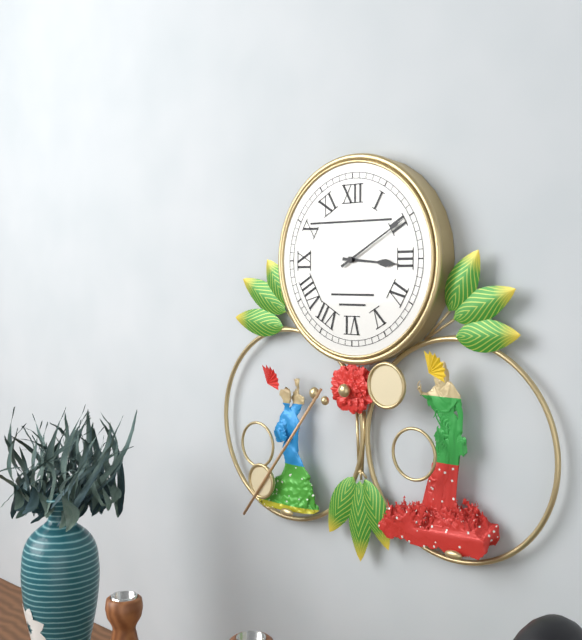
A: 3:10
